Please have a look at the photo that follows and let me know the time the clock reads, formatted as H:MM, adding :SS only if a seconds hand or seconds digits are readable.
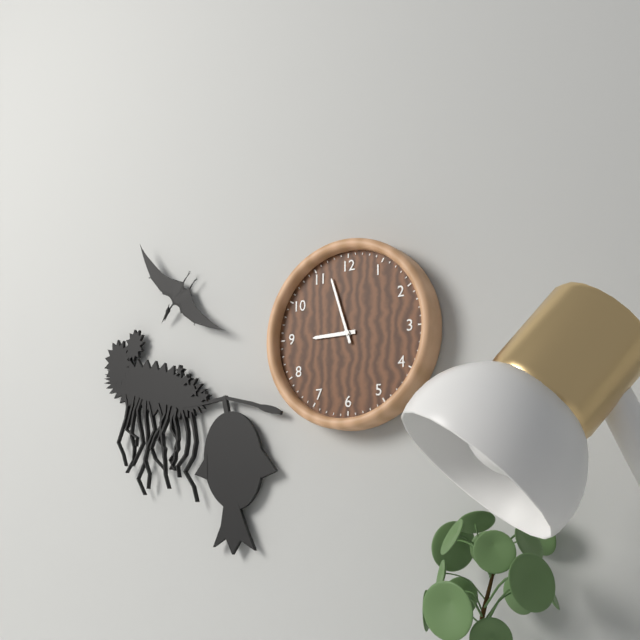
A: 8:57
